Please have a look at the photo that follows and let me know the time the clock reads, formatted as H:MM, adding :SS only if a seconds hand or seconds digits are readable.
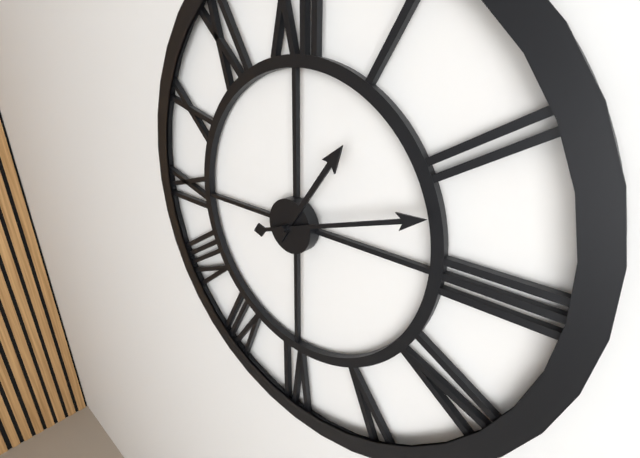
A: 1:12
